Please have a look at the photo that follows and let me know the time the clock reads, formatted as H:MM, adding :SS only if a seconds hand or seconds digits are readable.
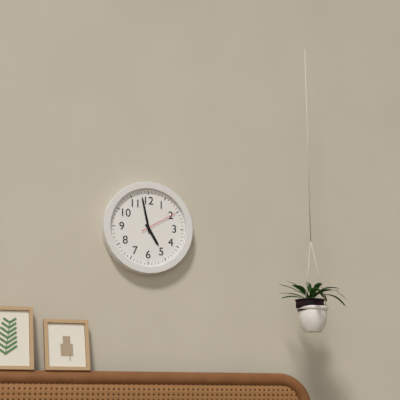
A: 4:58
